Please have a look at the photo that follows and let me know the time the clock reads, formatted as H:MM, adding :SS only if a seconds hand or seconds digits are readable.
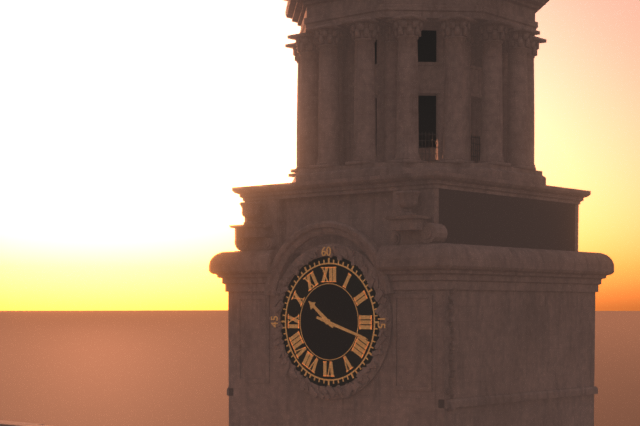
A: 10:18
